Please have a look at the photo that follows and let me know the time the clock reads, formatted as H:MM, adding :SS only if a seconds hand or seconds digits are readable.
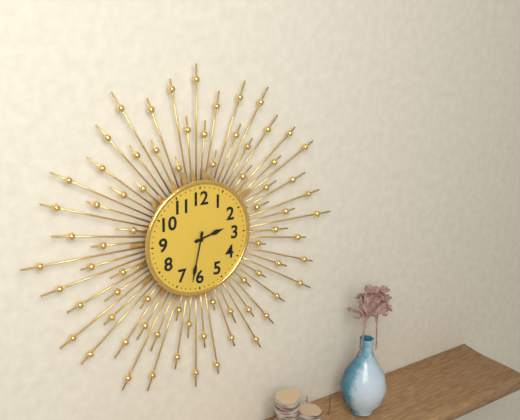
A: 2:32
